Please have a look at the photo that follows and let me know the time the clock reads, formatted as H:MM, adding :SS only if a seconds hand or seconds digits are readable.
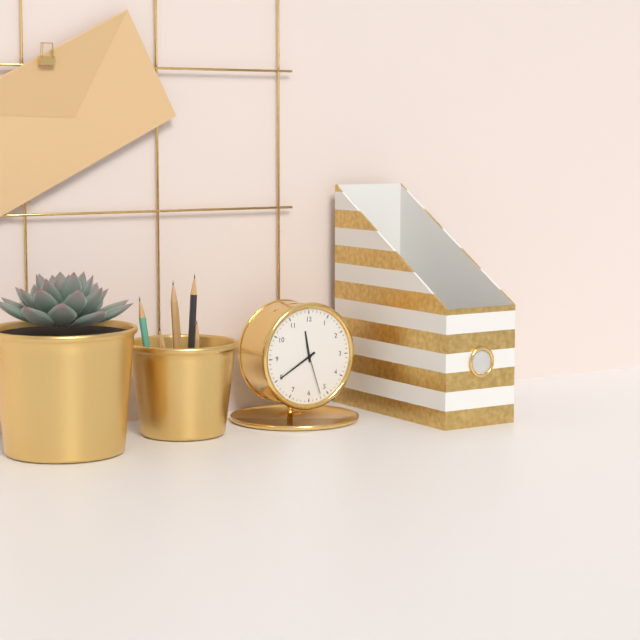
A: 11:40
